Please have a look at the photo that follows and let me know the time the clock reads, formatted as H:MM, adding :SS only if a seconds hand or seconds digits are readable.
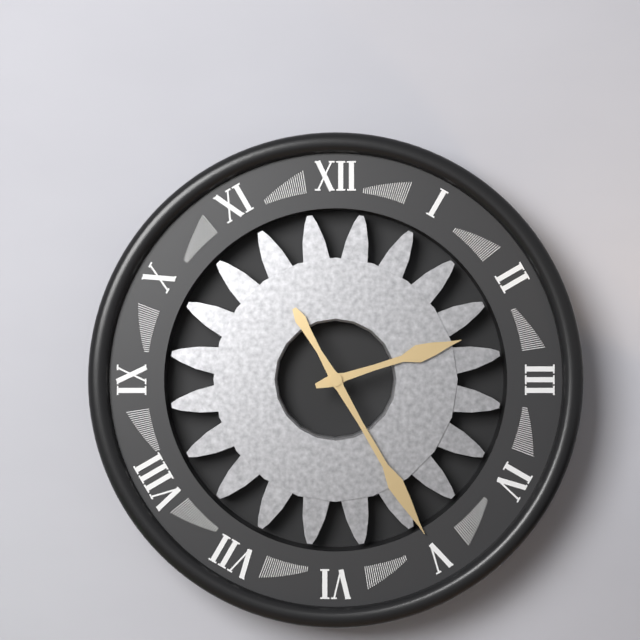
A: 2:25
